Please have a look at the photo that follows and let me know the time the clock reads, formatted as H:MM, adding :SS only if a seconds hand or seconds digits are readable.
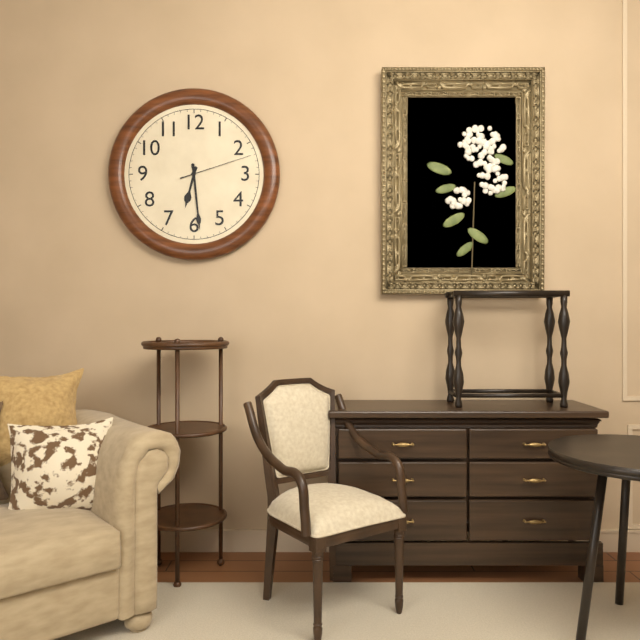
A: 6:29:12
